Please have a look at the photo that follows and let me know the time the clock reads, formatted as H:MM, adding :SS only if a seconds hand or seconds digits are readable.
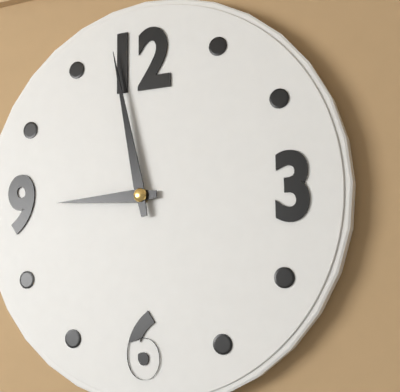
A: 8:58
